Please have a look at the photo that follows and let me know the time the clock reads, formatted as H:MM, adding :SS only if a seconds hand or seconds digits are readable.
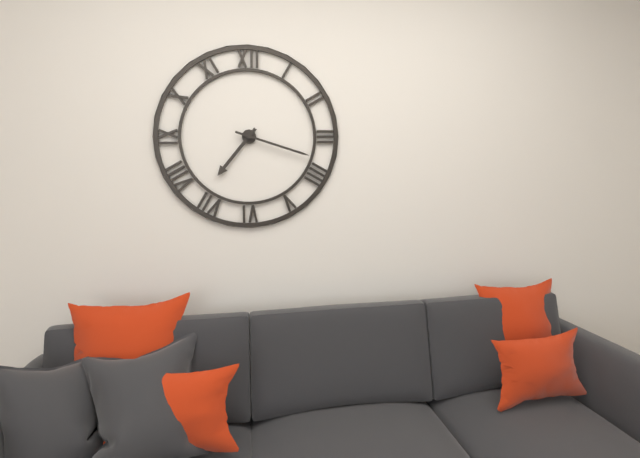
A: 7:18
